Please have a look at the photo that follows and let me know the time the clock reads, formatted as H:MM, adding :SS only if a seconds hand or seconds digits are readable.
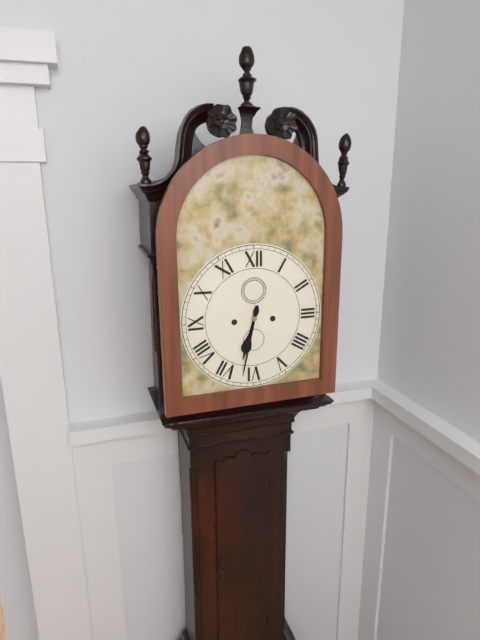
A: 6:32
